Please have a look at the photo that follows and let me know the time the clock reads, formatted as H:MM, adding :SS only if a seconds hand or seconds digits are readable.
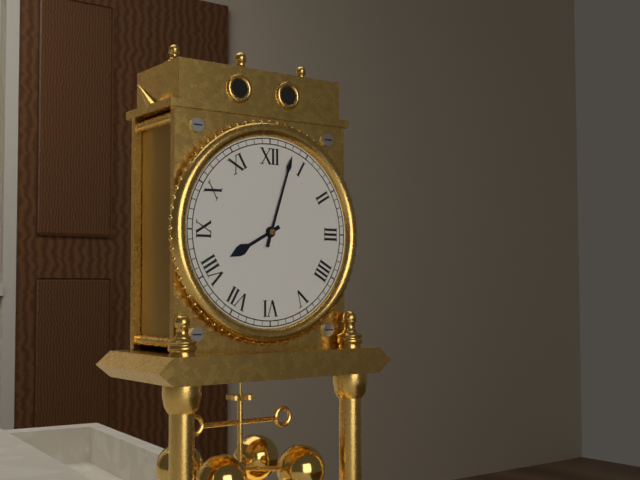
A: 8:03
